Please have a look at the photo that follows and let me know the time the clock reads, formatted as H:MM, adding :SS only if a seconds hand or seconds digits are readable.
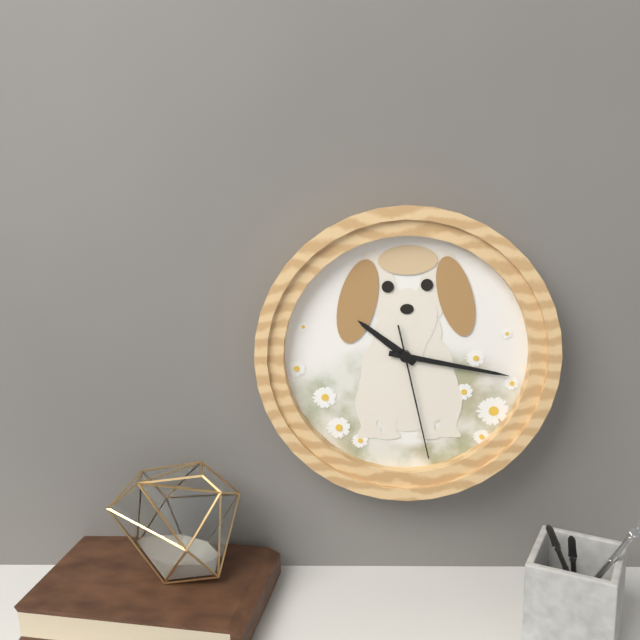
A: 10:17:28
